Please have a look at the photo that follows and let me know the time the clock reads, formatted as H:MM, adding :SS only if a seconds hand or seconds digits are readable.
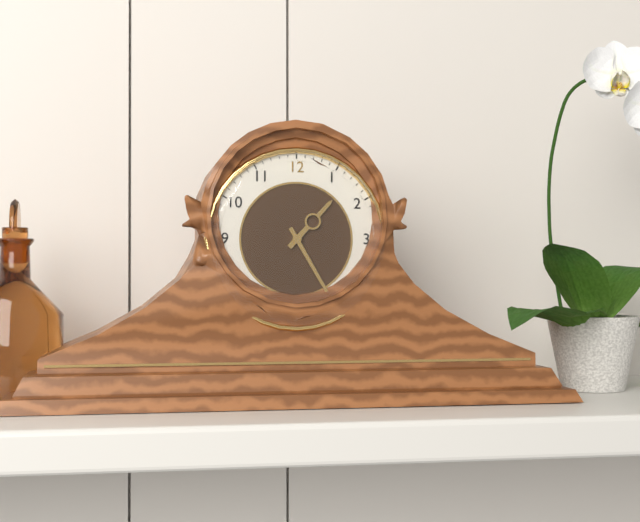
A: 1:25
